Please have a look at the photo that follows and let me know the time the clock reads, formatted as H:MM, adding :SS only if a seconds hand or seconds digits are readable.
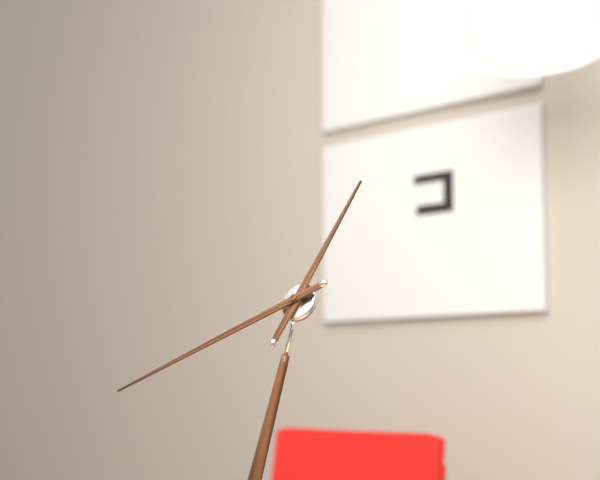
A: 12:41
